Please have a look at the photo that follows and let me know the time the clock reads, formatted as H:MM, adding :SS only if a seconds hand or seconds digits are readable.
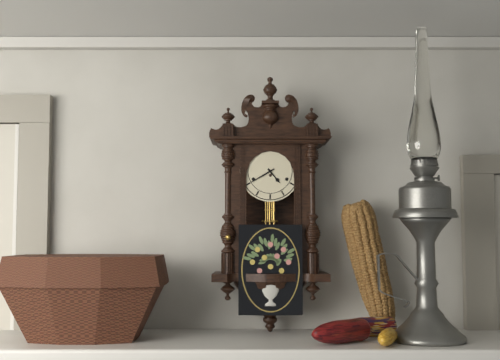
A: 4:40
